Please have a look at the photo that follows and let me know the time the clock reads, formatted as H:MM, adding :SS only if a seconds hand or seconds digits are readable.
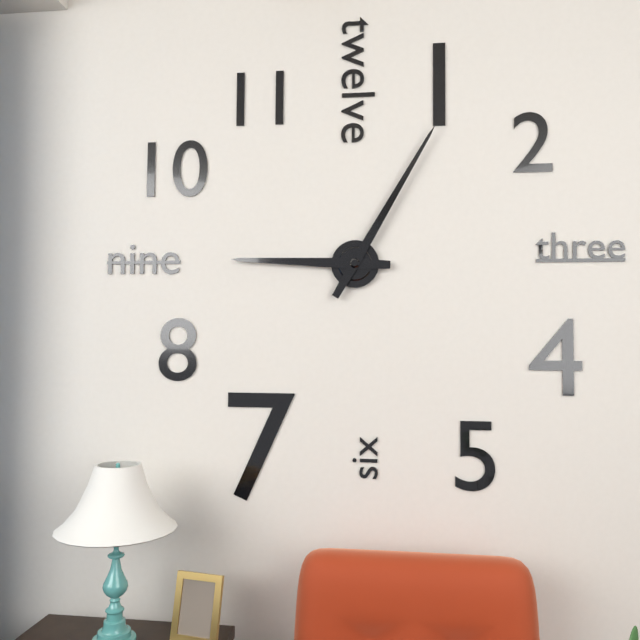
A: 9:05
